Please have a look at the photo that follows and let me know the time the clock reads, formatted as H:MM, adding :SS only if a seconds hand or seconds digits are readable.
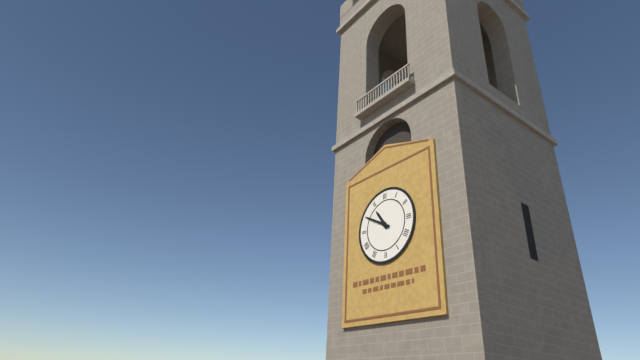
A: 10:50
